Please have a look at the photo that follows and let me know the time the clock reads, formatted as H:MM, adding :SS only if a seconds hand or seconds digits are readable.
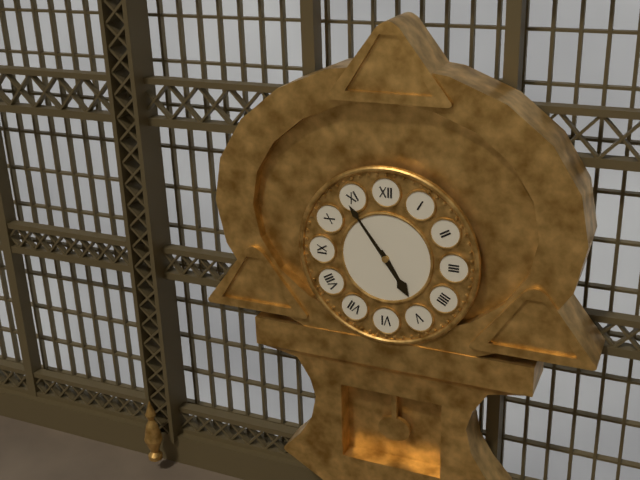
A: 4:54
